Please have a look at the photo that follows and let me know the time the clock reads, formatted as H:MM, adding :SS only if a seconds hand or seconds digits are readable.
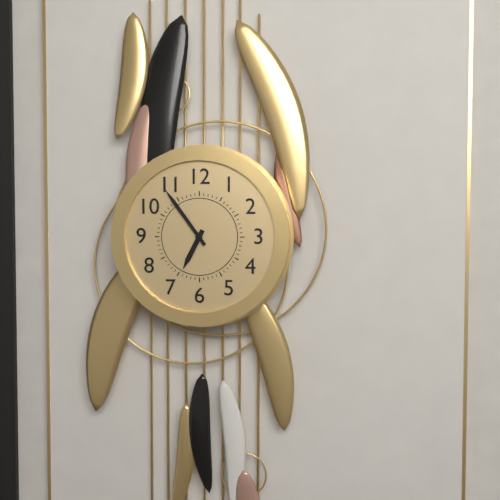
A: 6:54
